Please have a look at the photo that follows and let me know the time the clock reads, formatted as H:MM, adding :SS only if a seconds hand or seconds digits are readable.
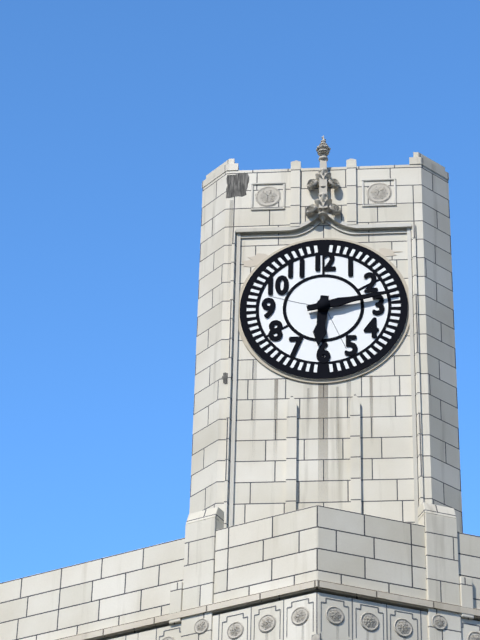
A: 6:13
